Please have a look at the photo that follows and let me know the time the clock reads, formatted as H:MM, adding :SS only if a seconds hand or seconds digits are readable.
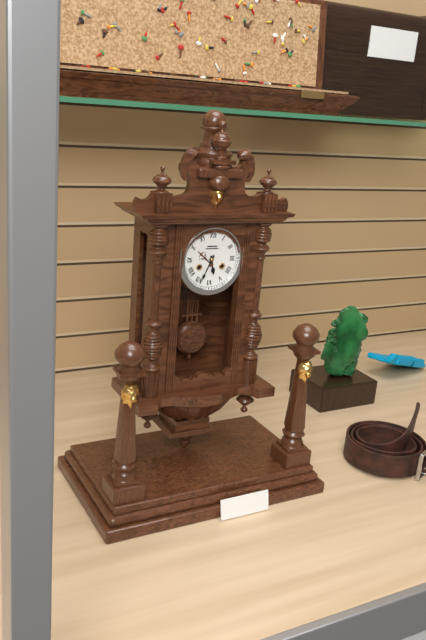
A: 5:34
